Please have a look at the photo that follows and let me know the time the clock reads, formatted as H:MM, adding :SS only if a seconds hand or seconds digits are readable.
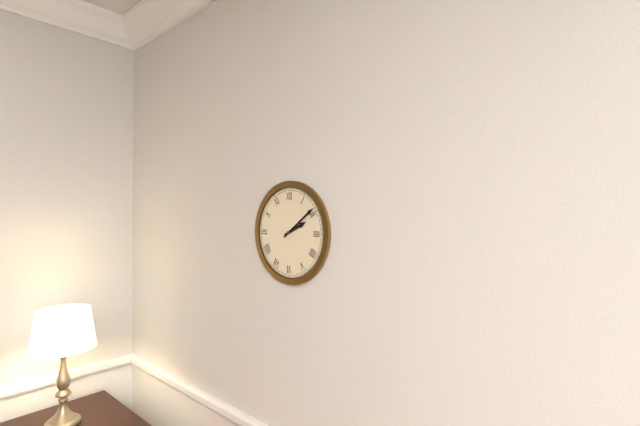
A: 2:09
